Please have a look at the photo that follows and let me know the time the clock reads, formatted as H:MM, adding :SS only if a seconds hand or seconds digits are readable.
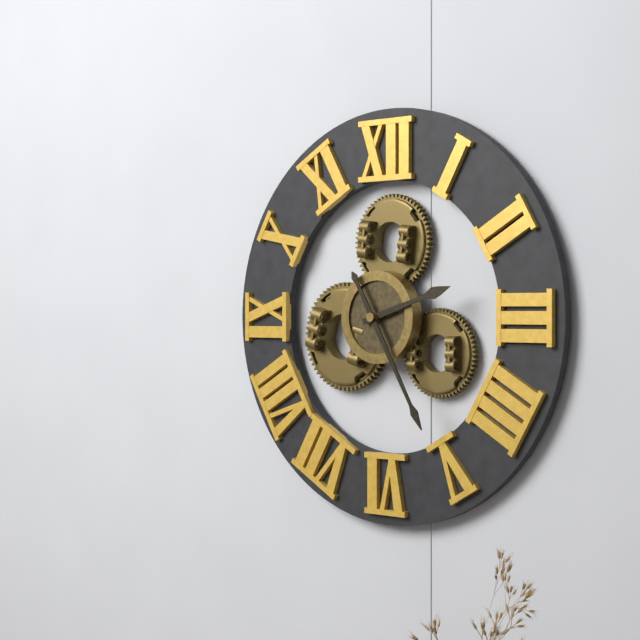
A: 2:25
